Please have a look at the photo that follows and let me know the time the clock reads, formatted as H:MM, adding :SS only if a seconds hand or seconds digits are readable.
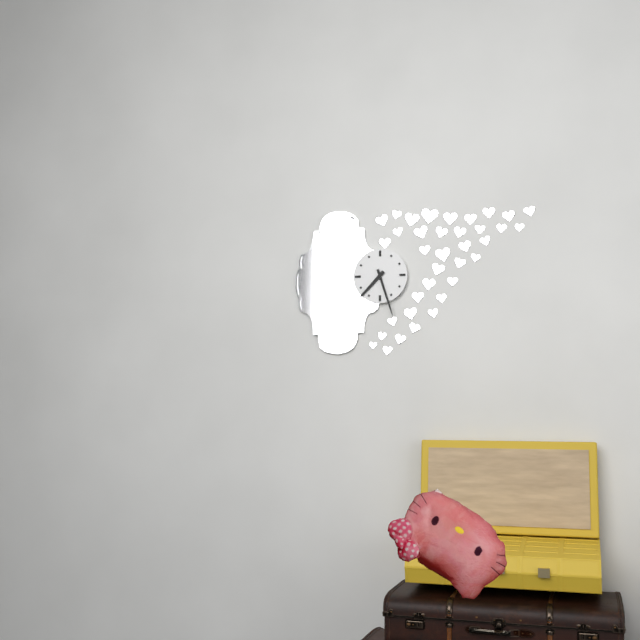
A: 7:27
